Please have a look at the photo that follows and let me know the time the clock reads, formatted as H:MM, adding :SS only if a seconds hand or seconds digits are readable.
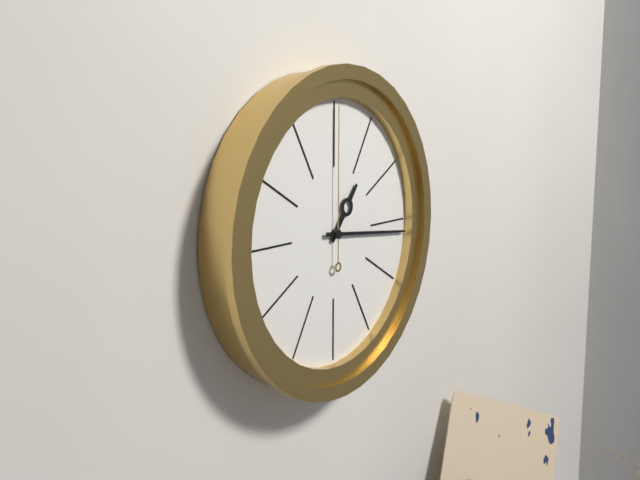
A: 1:16:00
